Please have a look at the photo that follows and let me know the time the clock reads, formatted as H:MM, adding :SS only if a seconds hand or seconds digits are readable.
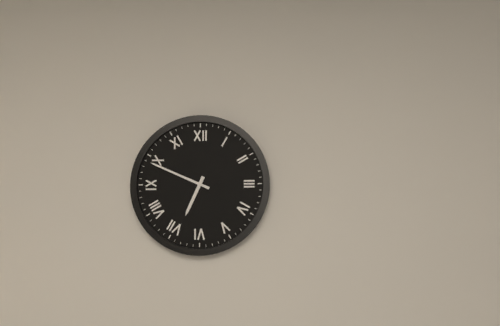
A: 6:49
